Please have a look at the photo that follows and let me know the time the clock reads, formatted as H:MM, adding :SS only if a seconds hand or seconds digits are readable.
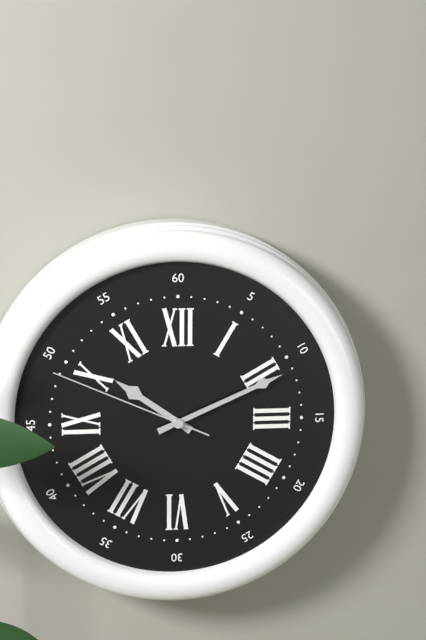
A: 10:11:49
